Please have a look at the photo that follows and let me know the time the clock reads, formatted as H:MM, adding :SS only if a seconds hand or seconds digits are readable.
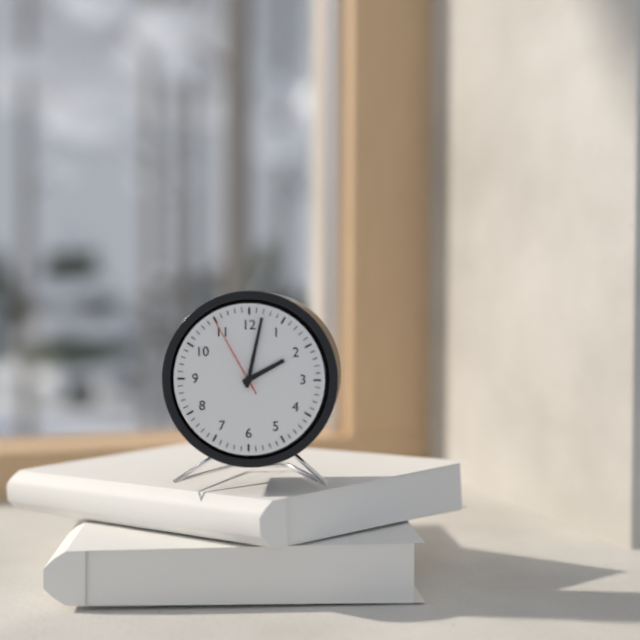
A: 2:02:55
